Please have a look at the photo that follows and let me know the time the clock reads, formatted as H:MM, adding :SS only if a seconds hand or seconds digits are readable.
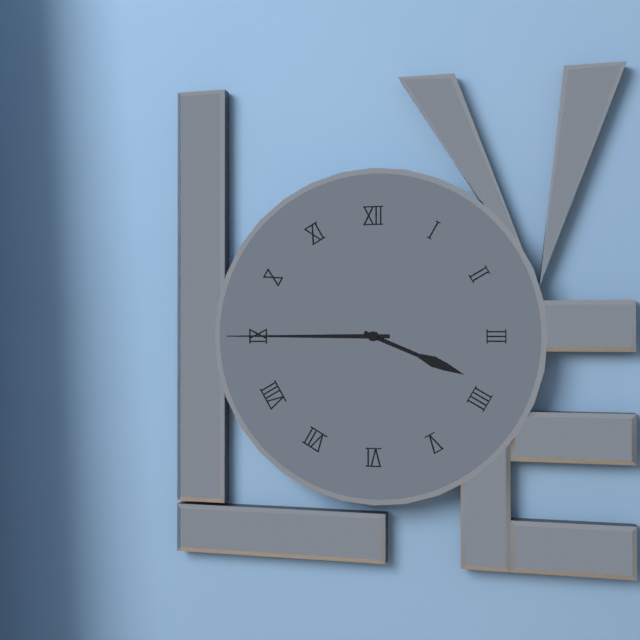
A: 3:45
